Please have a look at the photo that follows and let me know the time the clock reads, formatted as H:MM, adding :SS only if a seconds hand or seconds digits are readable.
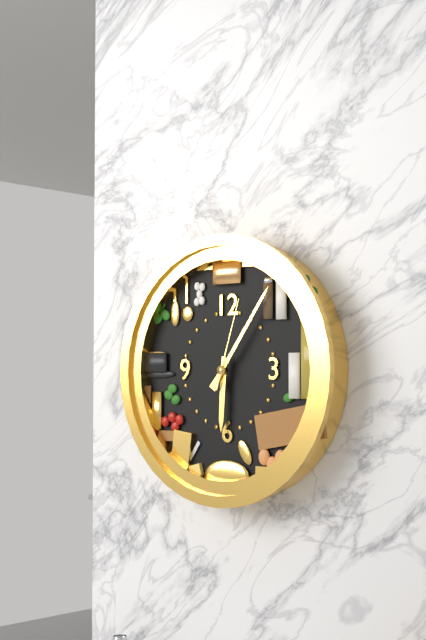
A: 6:06:03
